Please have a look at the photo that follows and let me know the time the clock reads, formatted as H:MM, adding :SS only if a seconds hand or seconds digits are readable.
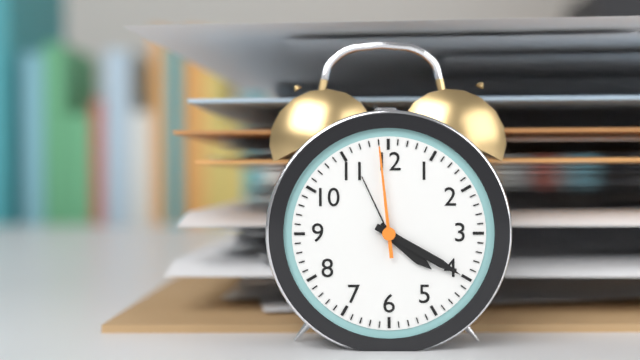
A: 4:20:59
